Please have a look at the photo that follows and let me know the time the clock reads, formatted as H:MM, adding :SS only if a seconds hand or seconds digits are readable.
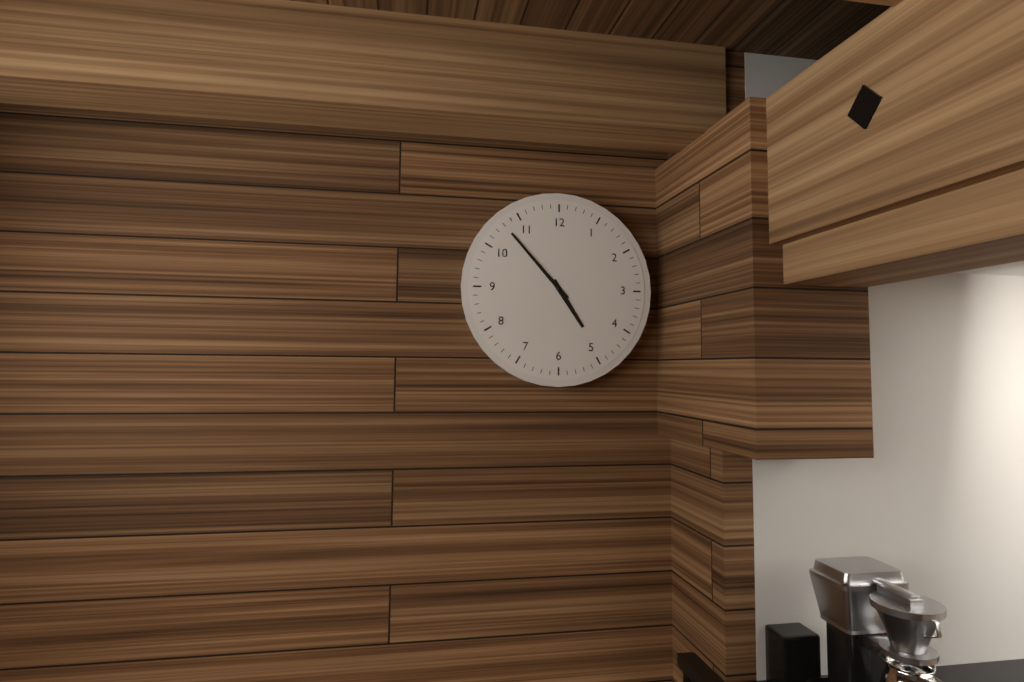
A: 4:53
